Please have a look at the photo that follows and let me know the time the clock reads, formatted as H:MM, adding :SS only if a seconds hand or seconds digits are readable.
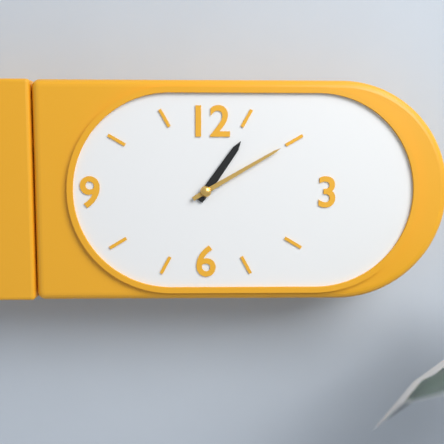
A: 1:10
